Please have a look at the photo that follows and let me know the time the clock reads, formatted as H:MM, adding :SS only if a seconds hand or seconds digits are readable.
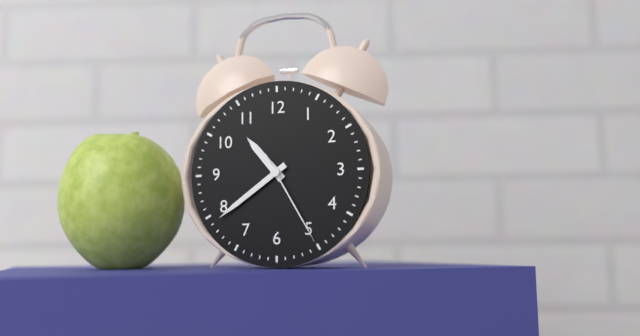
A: 10:39:25
